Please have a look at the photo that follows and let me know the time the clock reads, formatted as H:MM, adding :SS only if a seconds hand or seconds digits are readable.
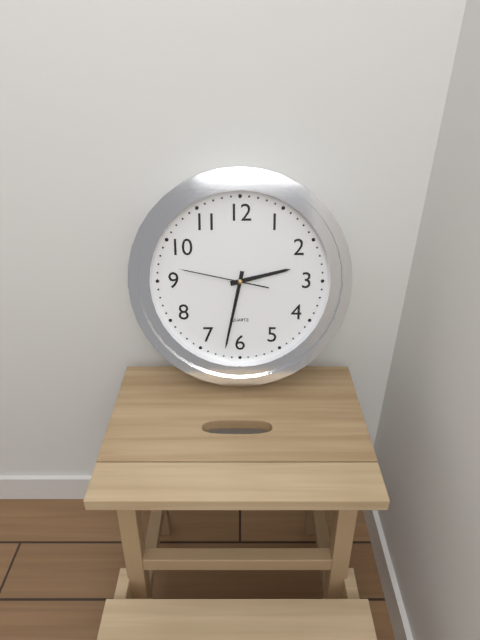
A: 2:32:47
